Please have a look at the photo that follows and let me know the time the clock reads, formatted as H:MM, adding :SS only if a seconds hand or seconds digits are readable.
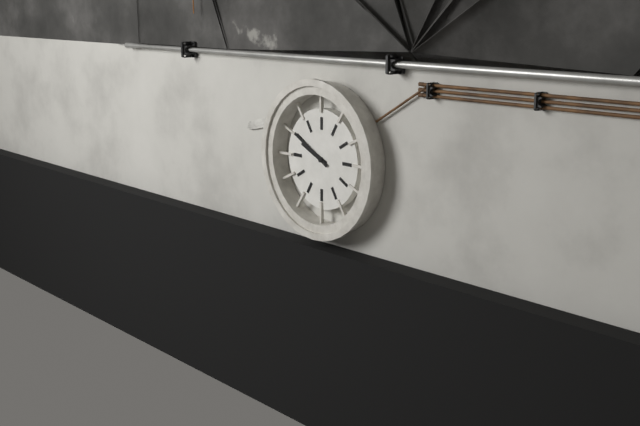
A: 9:50
